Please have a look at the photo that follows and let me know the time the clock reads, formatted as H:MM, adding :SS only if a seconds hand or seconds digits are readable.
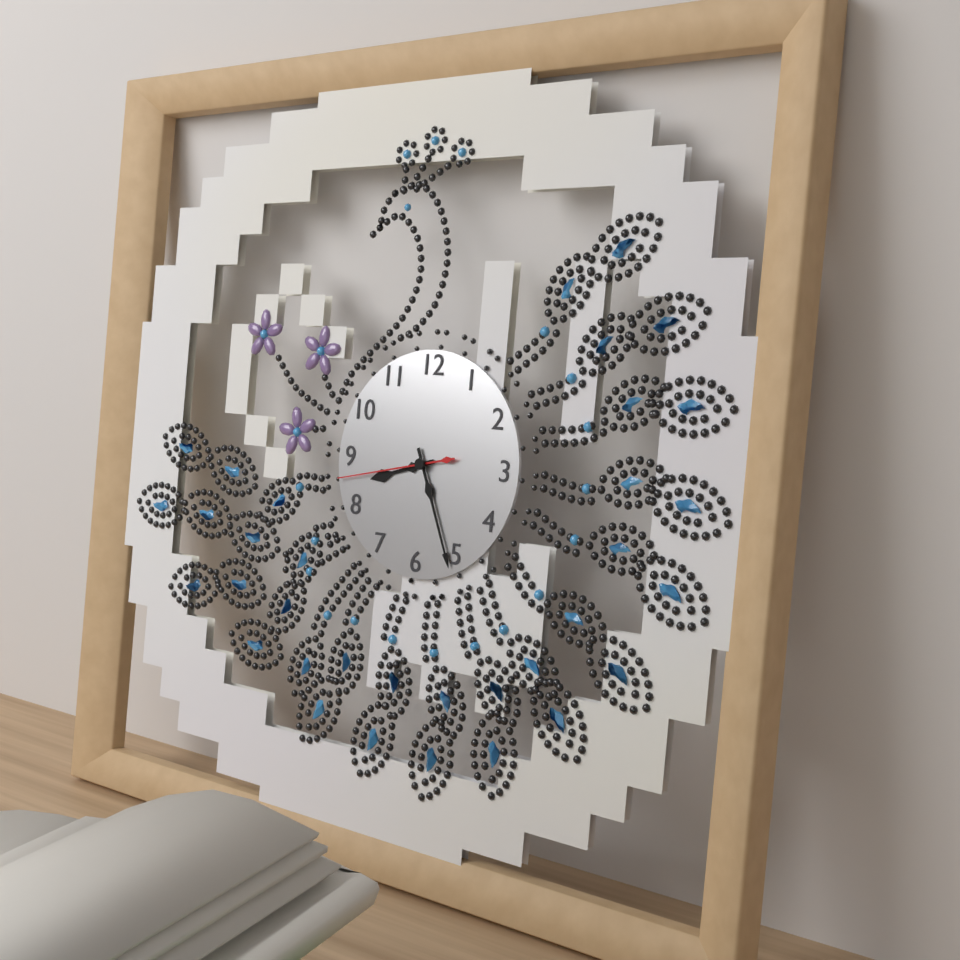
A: 8:26:43
